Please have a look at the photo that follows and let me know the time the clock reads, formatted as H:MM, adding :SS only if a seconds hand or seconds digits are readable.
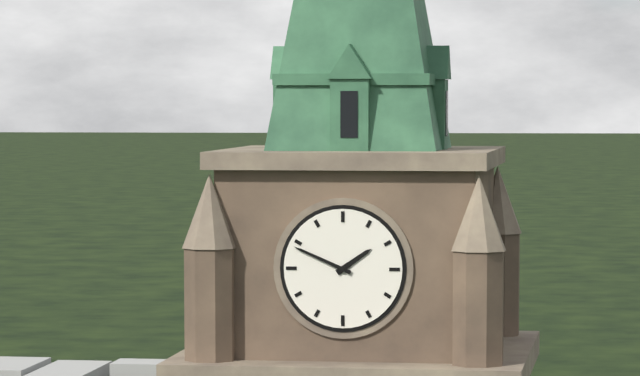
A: 1:49
